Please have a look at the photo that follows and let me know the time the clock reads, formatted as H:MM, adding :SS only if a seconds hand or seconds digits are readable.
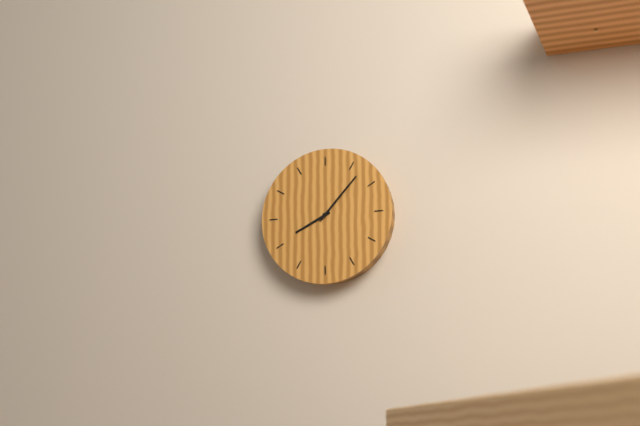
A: 8:07
